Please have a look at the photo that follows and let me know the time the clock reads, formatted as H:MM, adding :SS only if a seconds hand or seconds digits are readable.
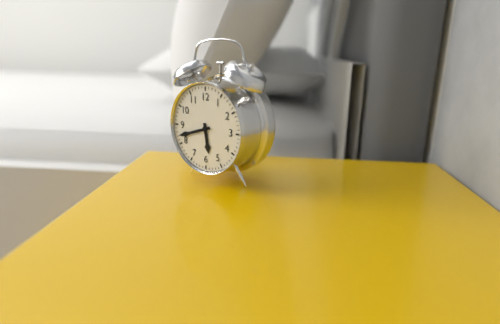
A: 5:42
